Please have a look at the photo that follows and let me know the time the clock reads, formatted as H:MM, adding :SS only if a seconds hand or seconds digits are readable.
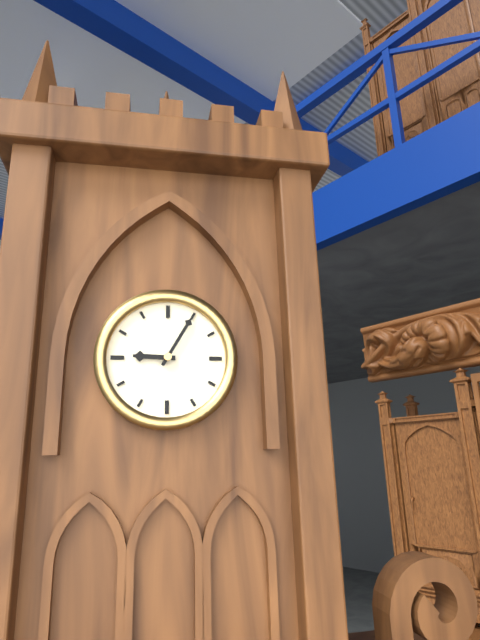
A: 9:05
